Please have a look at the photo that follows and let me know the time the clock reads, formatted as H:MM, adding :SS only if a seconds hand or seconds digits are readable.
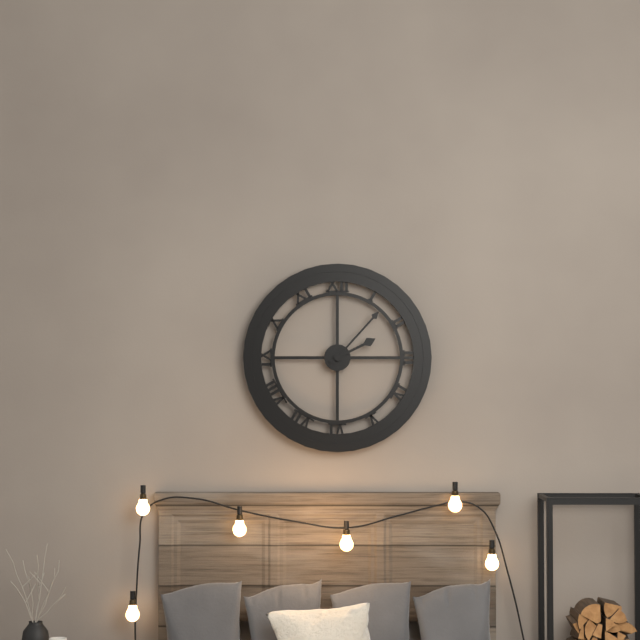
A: 2:07
